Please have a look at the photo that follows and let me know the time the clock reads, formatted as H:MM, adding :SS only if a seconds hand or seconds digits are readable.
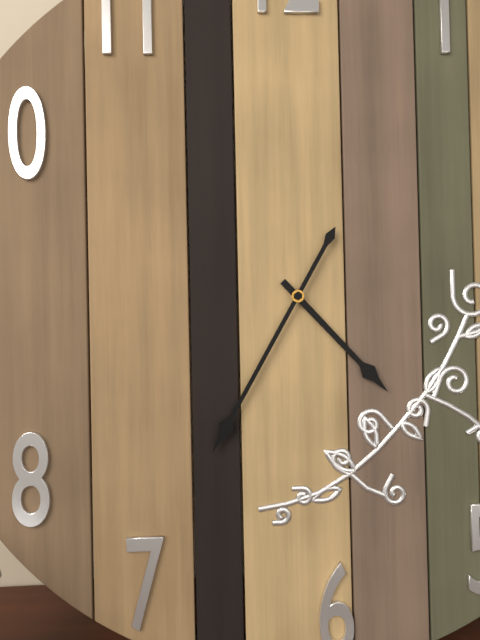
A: 4:35
